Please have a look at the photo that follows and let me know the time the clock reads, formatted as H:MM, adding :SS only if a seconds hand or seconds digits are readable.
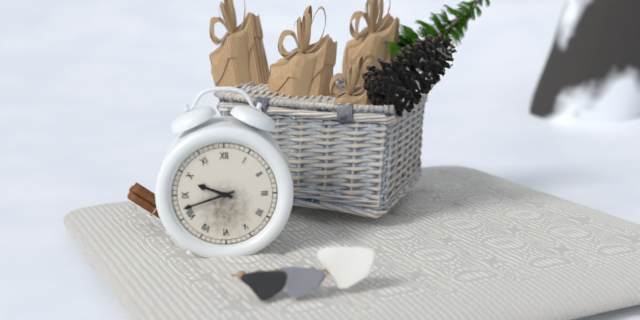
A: 9:42
